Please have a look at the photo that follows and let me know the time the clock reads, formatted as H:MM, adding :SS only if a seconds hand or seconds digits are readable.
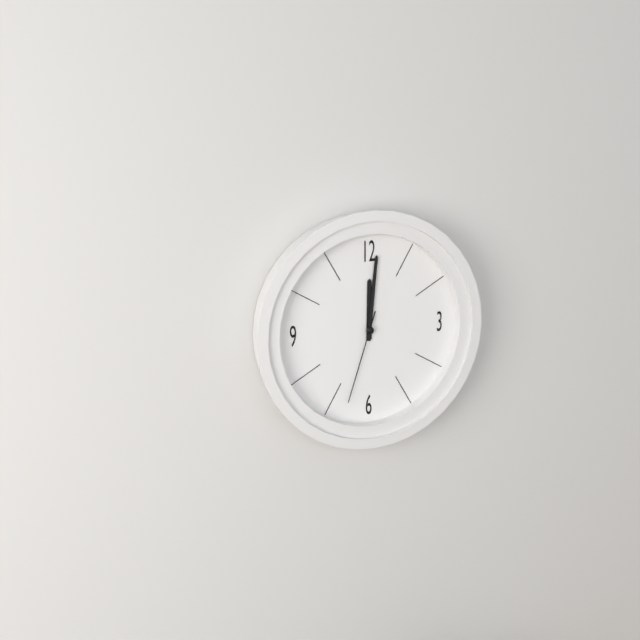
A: 12:01:33
